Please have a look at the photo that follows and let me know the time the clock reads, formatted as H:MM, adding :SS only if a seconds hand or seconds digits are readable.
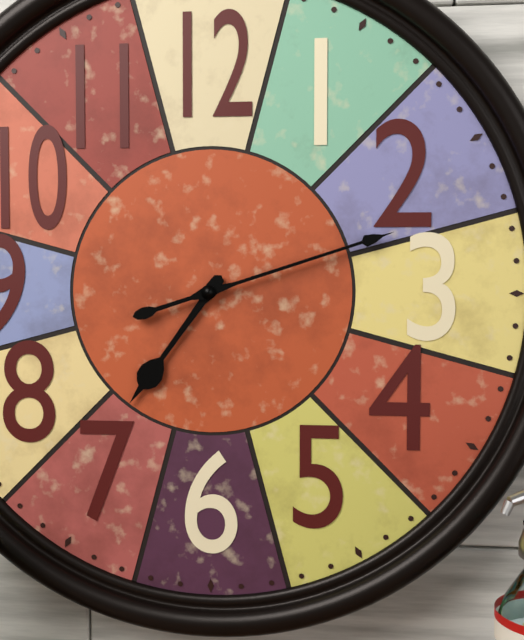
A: 7:12
